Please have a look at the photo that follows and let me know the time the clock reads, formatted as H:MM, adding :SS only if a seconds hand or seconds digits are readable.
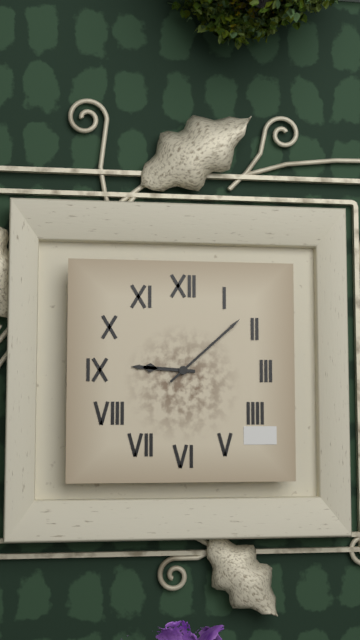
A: 9:08
